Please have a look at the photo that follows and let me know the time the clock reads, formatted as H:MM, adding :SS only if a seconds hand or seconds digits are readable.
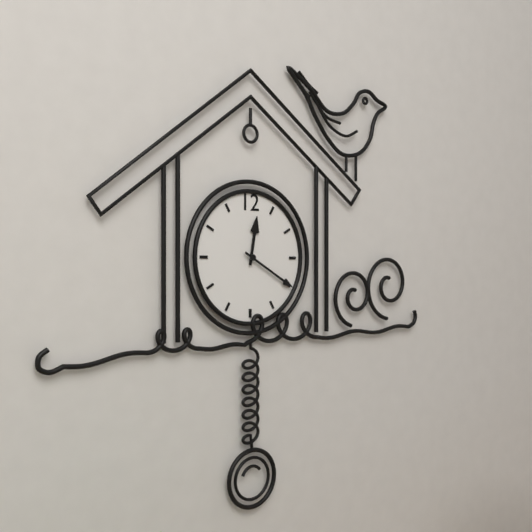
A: 12:20
